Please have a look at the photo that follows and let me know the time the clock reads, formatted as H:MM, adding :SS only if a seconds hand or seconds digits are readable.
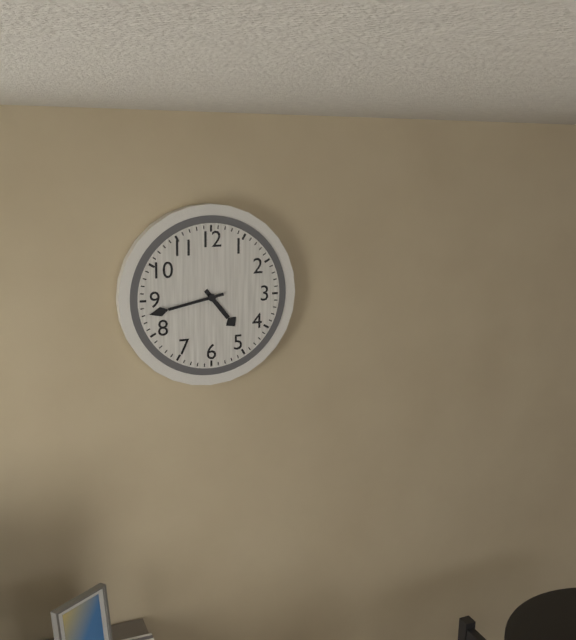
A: 4:43
